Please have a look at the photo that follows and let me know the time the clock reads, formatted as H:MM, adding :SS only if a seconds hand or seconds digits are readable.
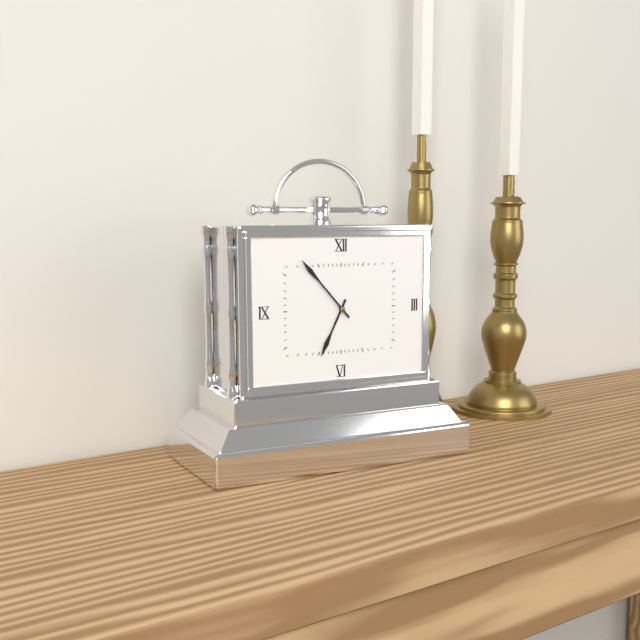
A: 6:53
